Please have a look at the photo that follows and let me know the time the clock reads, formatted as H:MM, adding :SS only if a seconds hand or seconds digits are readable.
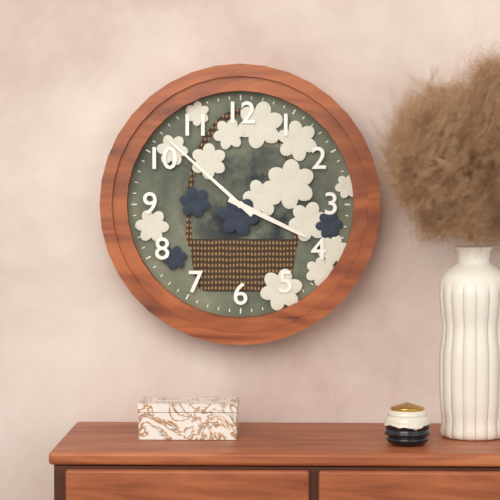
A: 3:52
